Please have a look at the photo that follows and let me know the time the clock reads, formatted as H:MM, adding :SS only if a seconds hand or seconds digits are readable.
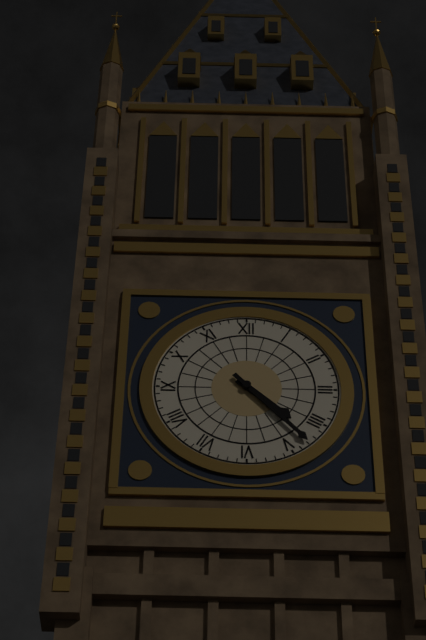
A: 4:23
